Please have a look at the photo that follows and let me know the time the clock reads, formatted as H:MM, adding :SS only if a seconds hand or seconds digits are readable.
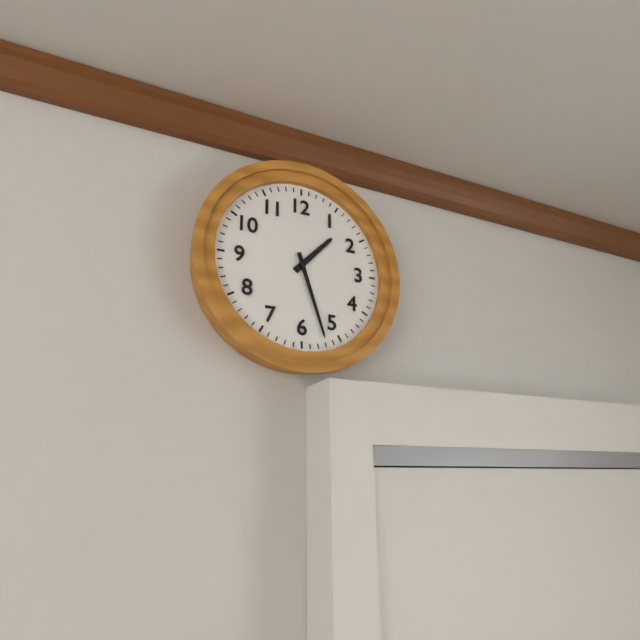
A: 1:27
